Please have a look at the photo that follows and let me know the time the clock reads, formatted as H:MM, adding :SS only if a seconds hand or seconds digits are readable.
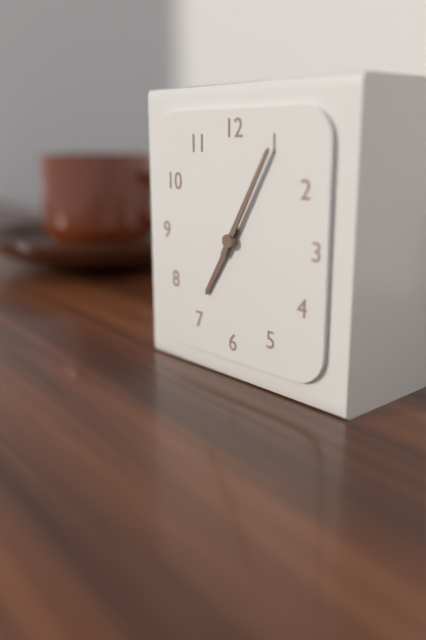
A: 7:05
